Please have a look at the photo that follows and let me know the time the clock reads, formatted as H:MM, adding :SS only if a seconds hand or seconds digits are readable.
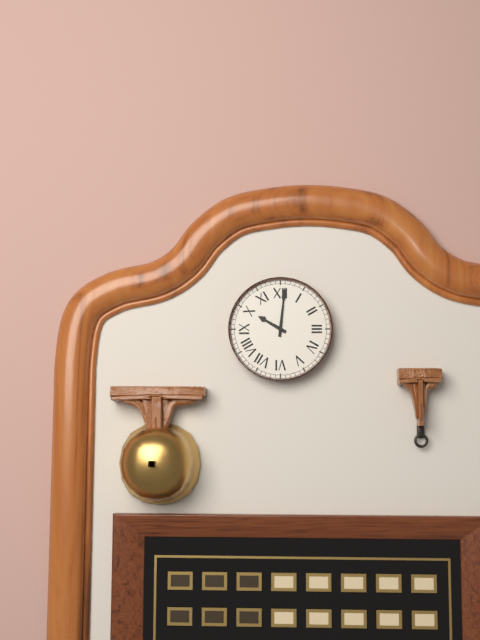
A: 10:01
